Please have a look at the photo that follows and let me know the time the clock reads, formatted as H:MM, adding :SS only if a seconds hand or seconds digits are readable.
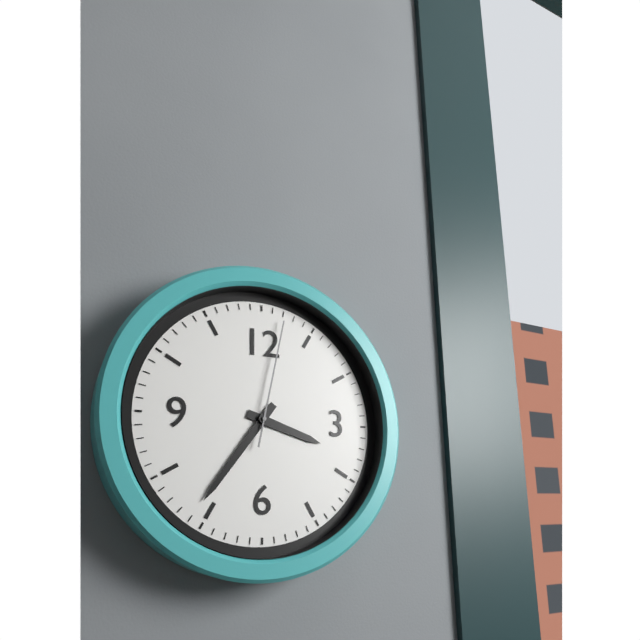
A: 3:36:02
